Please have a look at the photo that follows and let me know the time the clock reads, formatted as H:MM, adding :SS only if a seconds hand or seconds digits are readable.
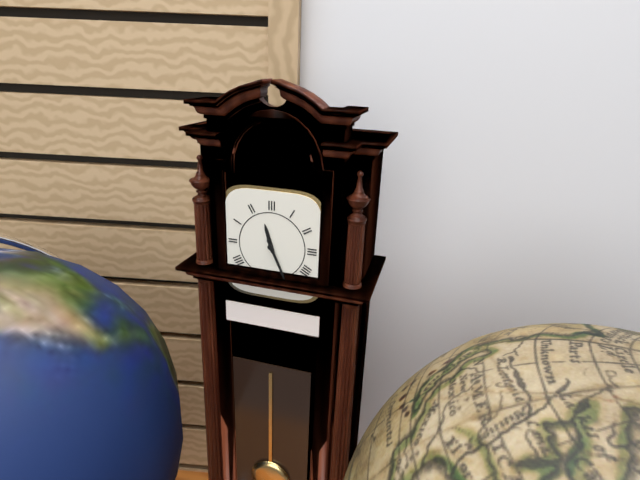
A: 11:26
